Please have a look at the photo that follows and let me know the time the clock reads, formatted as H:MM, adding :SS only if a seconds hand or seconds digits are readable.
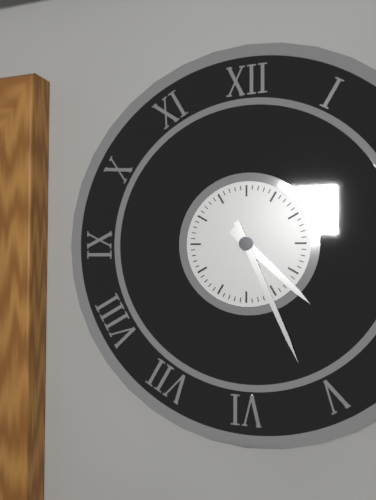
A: 4:26
